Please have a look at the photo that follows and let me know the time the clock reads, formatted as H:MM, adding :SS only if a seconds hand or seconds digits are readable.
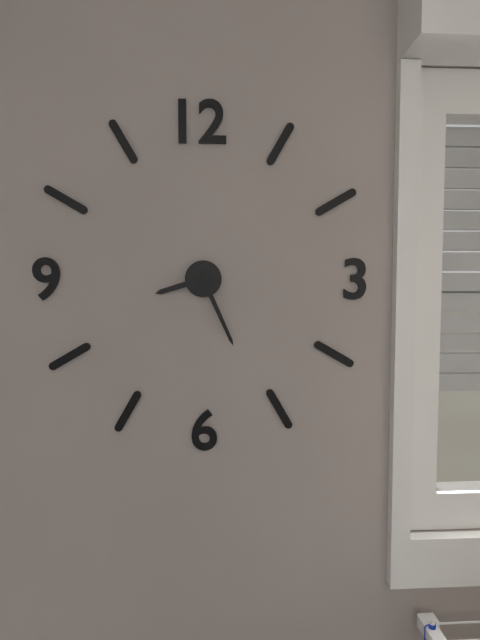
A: 8:26
